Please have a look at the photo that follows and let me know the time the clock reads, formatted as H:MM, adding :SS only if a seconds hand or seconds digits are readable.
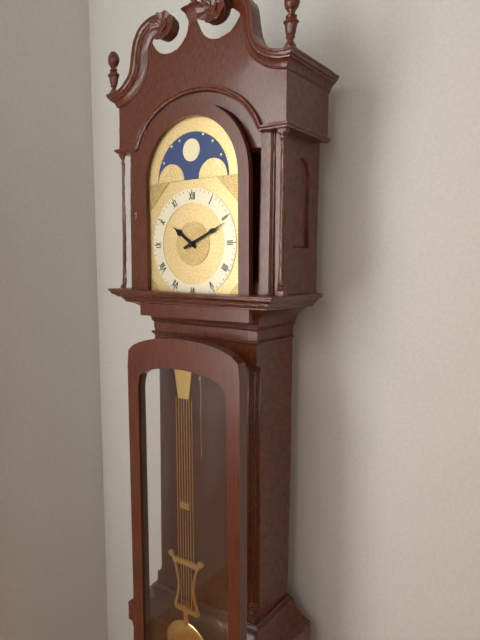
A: 10:11
